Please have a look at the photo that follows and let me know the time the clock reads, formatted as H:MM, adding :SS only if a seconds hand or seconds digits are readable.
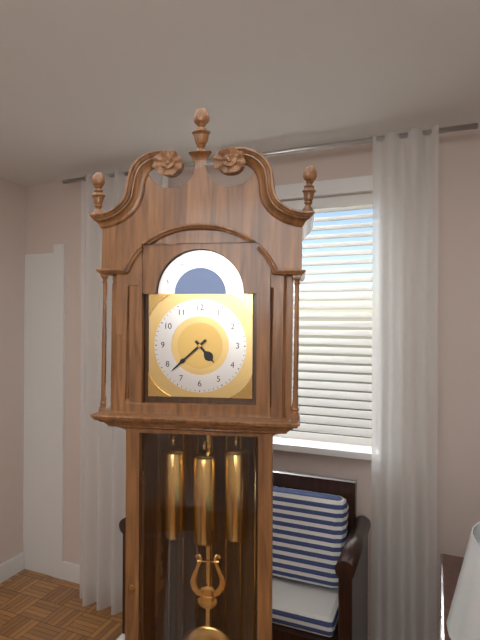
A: 4:38
